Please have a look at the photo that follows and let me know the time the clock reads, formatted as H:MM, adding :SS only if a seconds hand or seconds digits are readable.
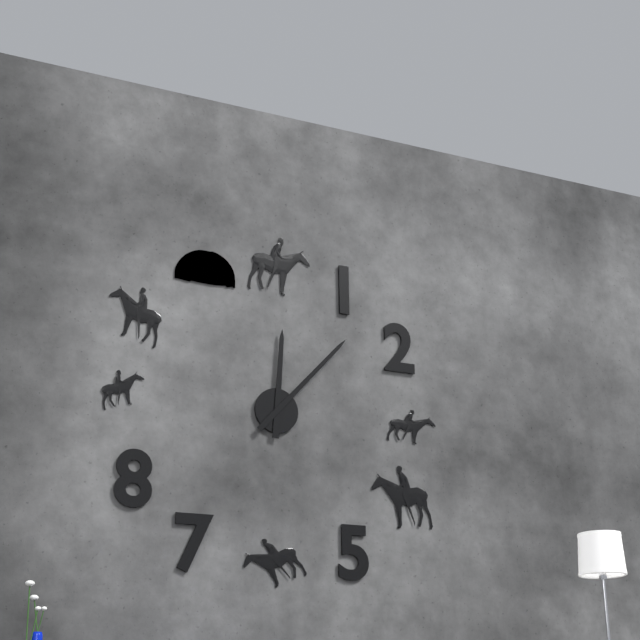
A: 12:07
